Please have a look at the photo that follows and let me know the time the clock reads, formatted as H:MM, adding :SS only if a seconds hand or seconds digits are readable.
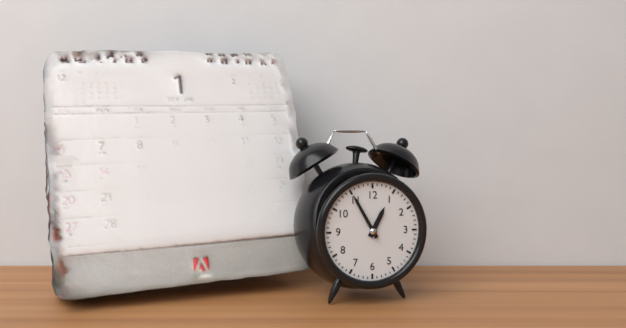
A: 12:55
